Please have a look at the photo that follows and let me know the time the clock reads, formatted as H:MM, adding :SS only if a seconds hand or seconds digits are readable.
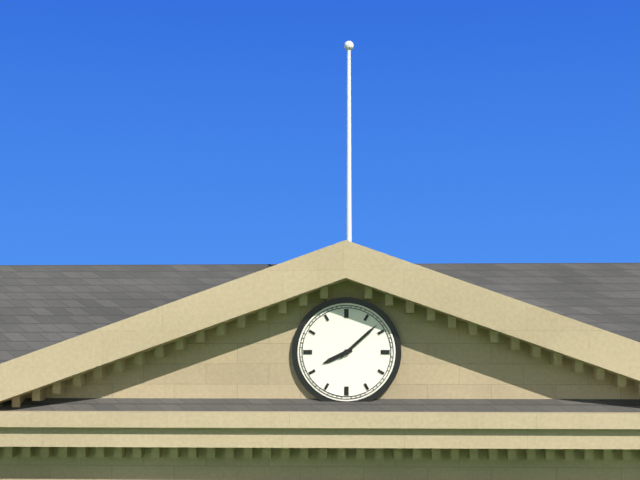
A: 8:08
